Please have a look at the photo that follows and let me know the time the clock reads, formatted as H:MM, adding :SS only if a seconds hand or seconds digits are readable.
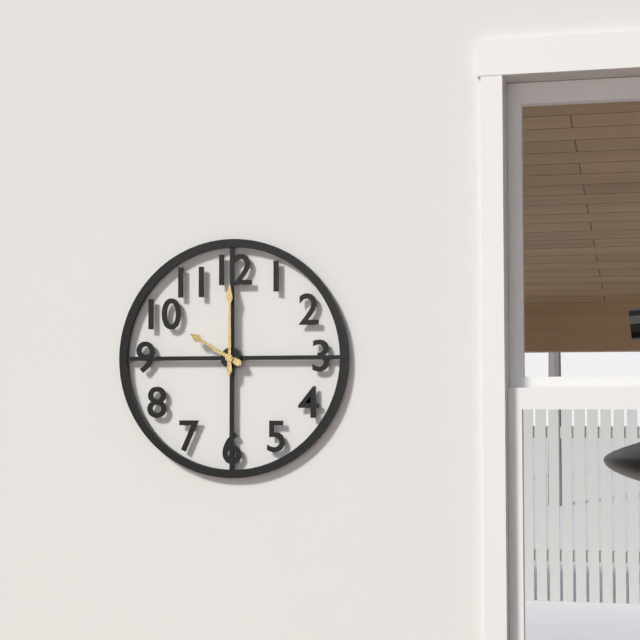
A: 10:00
